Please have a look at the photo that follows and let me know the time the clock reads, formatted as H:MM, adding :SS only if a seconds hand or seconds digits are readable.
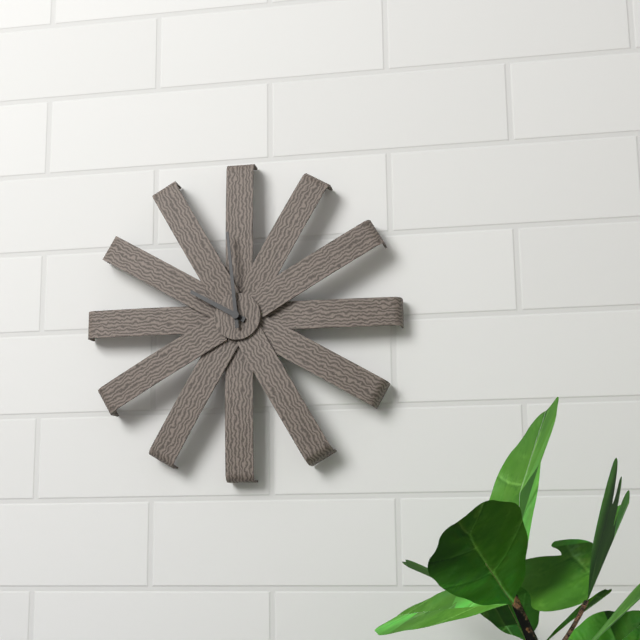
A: 9:59
